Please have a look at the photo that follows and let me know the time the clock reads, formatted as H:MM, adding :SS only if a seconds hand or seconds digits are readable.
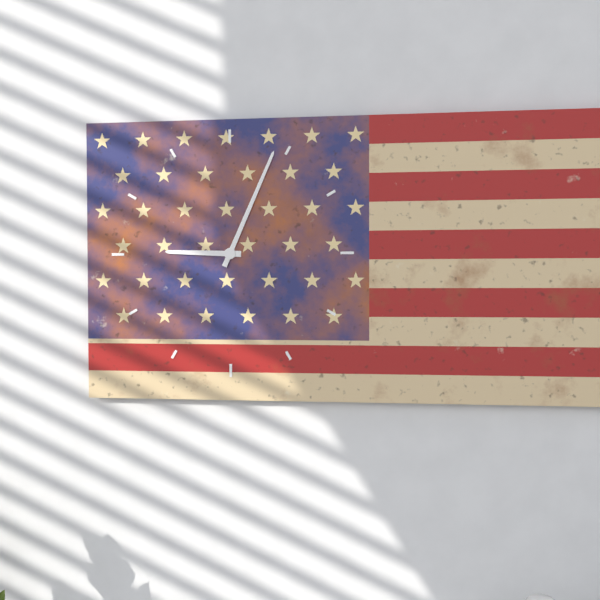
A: 9:04
